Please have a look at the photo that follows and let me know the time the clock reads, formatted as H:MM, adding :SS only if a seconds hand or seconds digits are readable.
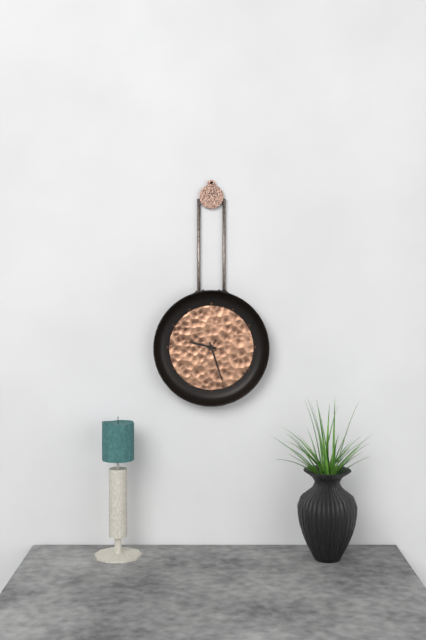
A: 9:27
